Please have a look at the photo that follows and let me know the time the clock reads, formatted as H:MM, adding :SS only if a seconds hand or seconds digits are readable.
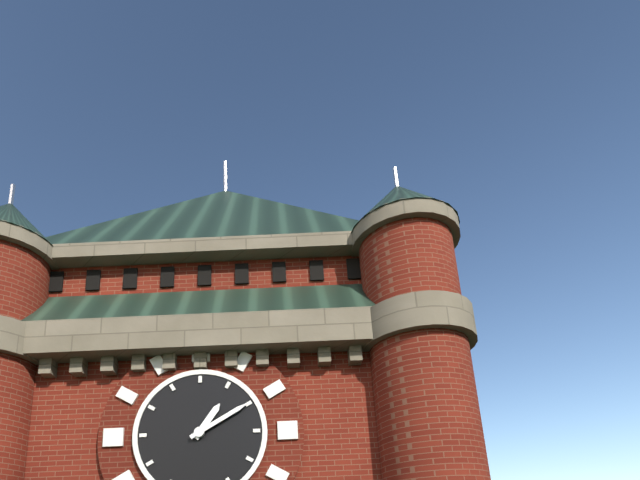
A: 1:10
